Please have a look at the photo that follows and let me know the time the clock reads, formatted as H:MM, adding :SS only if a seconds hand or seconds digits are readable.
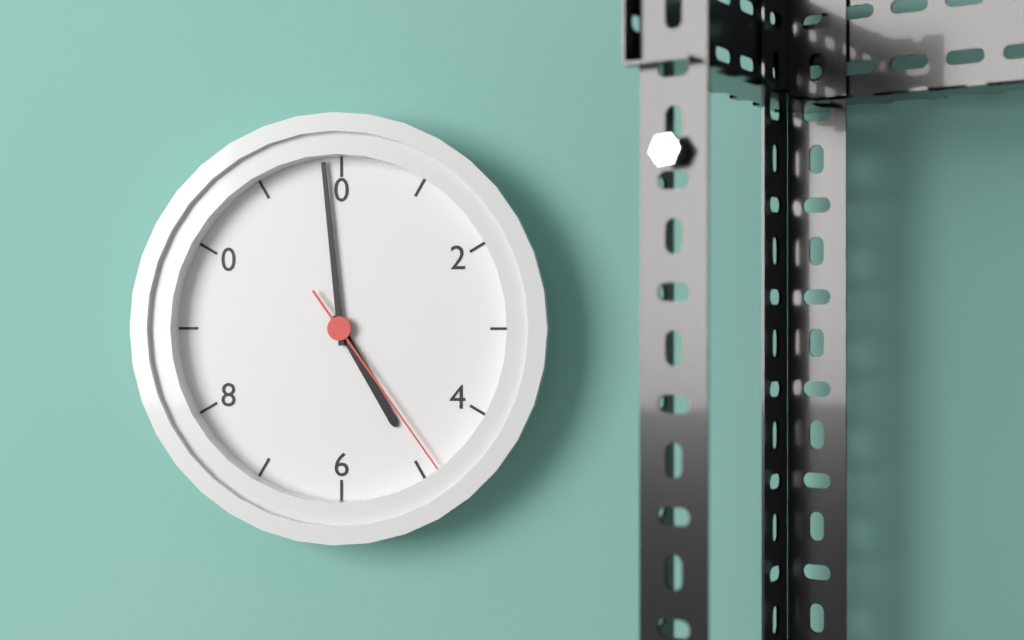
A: 4:59:24
